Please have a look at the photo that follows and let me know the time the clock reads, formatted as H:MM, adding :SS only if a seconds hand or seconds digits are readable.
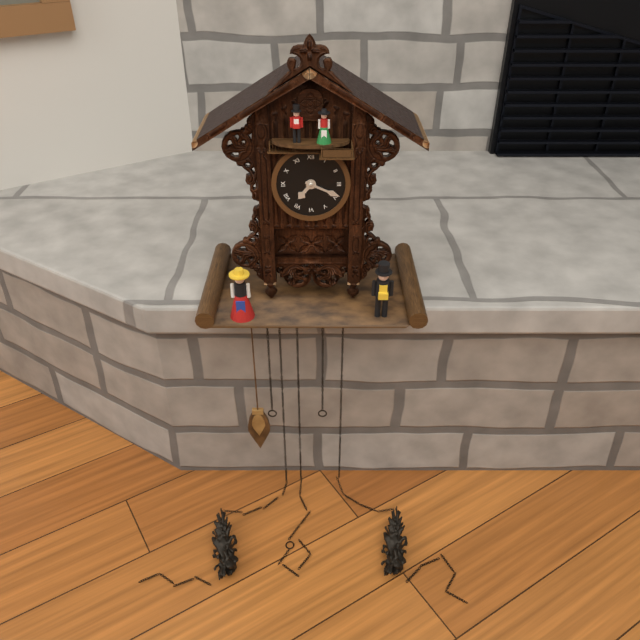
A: 7:19
